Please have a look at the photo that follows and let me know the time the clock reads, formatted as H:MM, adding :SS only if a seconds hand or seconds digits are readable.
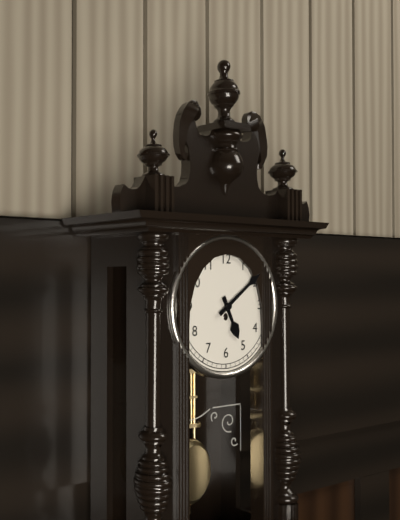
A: 5:09
